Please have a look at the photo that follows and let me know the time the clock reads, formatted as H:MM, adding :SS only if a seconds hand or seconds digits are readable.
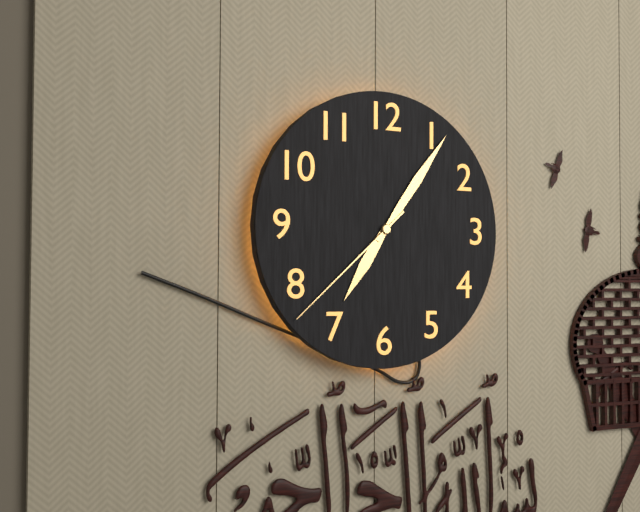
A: 7:06:38
